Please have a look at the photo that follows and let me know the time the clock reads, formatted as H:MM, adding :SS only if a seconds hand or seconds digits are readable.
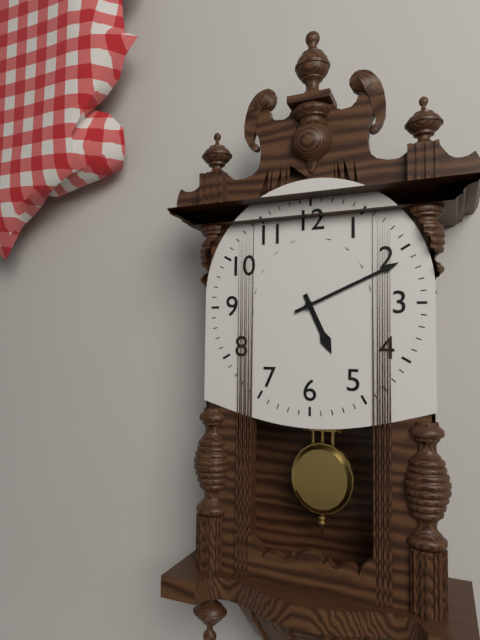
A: 5:11
